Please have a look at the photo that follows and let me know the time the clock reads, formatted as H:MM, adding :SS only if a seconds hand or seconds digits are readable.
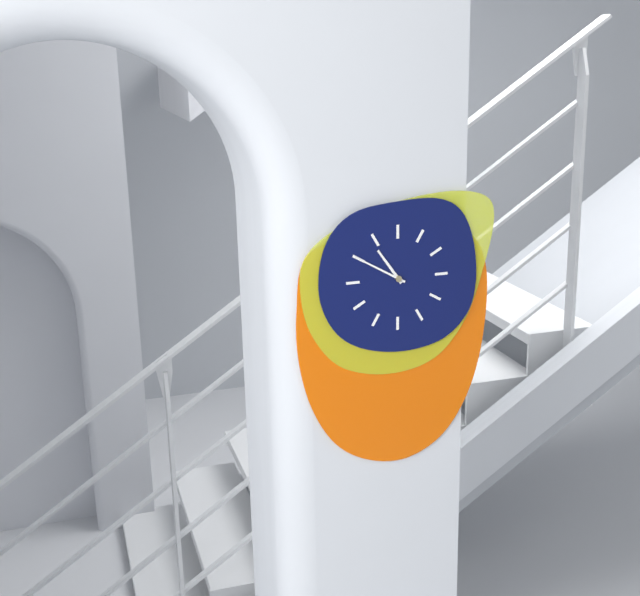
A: 10:50
